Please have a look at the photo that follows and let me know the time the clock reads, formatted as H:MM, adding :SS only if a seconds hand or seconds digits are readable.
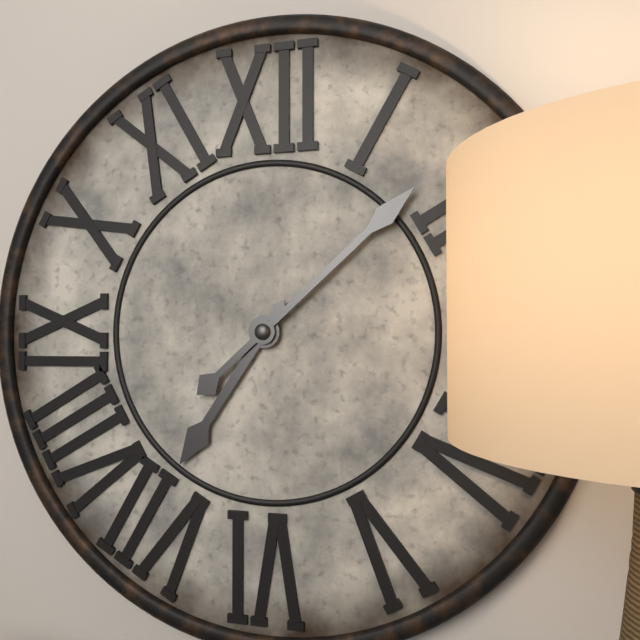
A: 7:08
